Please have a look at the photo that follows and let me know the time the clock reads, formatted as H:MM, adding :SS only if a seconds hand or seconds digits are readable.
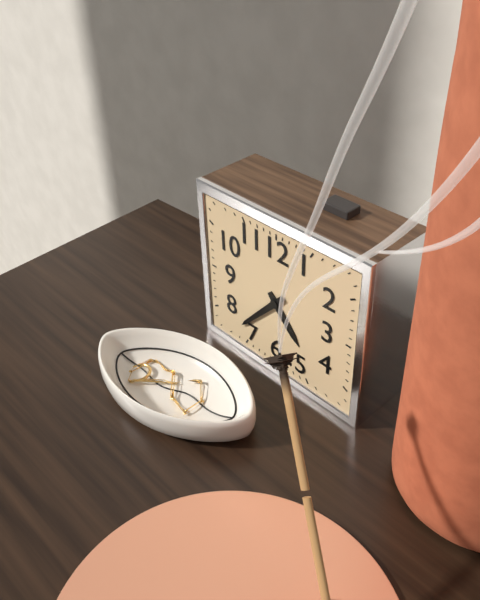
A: 4:37
